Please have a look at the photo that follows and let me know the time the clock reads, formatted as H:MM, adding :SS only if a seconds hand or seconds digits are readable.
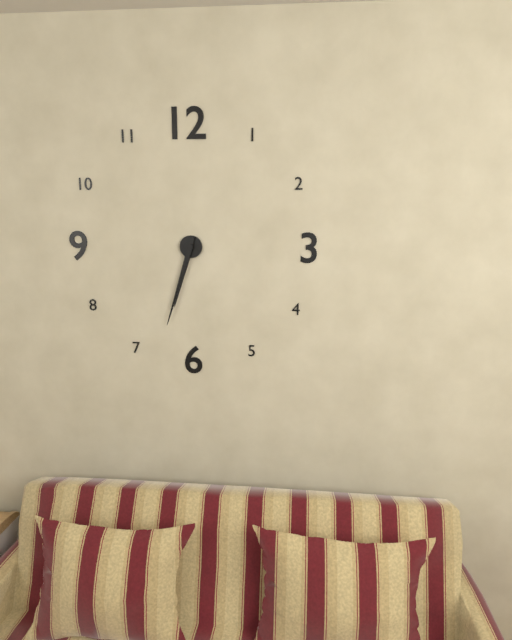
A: 6:33
